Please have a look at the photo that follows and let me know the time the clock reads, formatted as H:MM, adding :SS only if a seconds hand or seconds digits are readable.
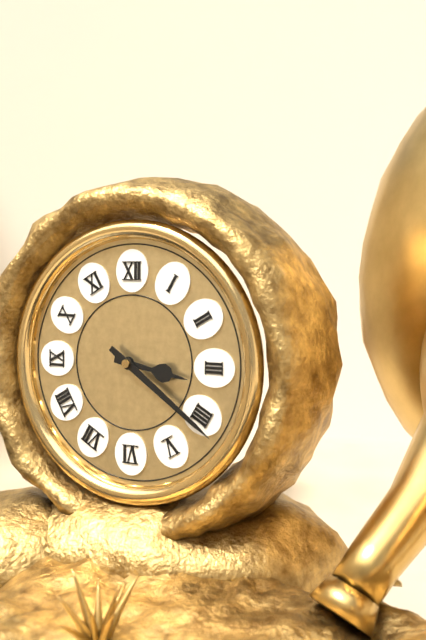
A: 3:21
